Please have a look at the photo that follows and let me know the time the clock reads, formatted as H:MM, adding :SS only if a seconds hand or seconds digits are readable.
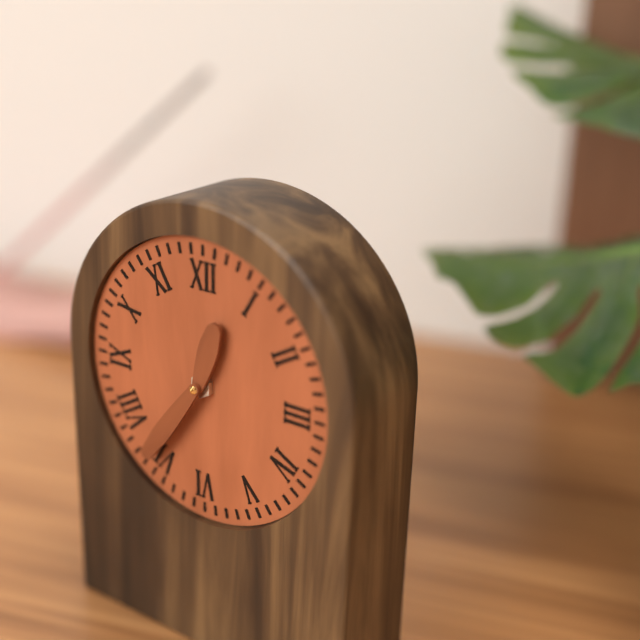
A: 12:36
